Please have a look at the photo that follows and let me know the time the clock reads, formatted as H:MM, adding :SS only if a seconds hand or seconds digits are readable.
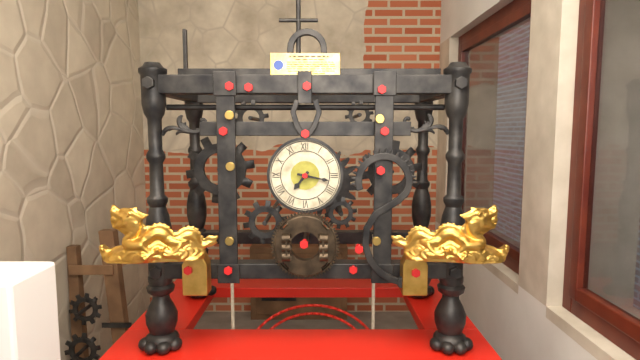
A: 7:17
